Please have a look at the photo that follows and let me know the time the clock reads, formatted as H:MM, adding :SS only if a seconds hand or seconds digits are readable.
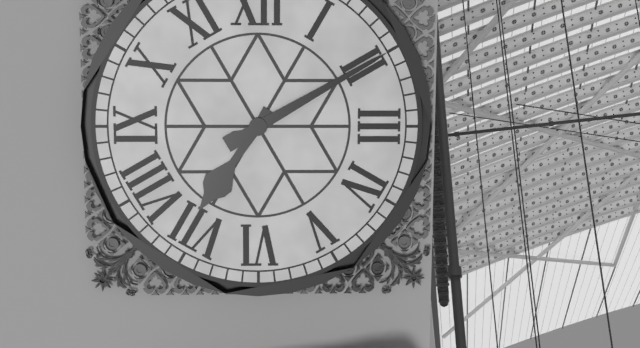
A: 7:10
